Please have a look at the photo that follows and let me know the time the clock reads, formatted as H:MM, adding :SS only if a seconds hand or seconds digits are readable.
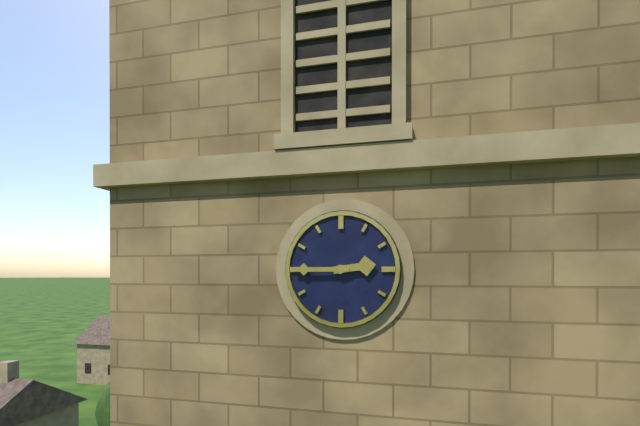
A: 2:45
